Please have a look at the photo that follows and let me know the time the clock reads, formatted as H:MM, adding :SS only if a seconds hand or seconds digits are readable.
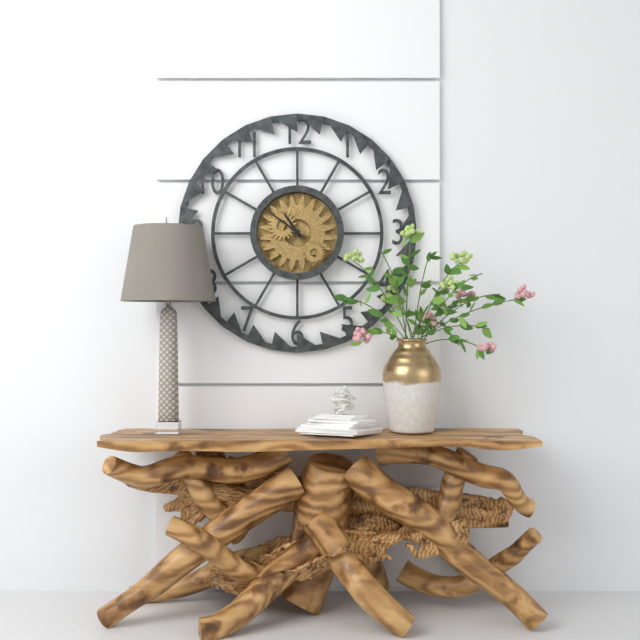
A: 10:51
